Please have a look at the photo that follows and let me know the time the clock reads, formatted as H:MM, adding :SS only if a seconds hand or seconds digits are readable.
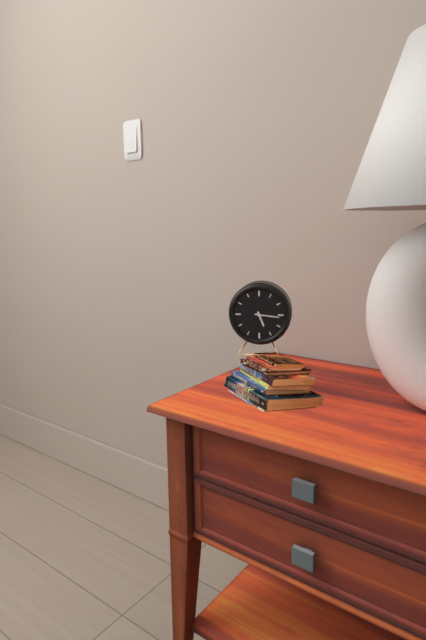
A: 5:16
